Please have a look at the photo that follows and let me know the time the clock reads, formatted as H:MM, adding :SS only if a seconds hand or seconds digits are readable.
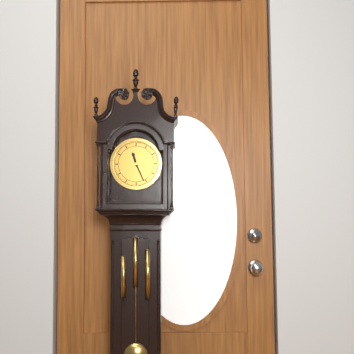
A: 11:26
